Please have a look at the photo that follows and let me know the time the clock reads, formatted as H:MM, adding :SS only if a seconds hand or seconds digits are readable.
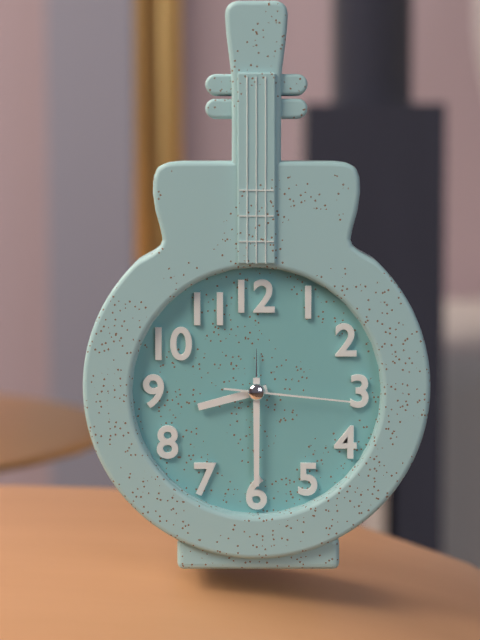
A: 8:30:16
